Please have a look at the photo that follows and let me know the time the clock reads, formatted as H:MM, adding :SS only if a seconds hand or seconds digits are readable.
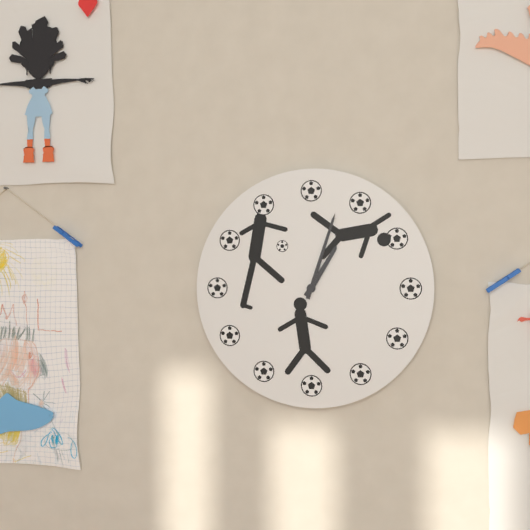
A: 1:03
